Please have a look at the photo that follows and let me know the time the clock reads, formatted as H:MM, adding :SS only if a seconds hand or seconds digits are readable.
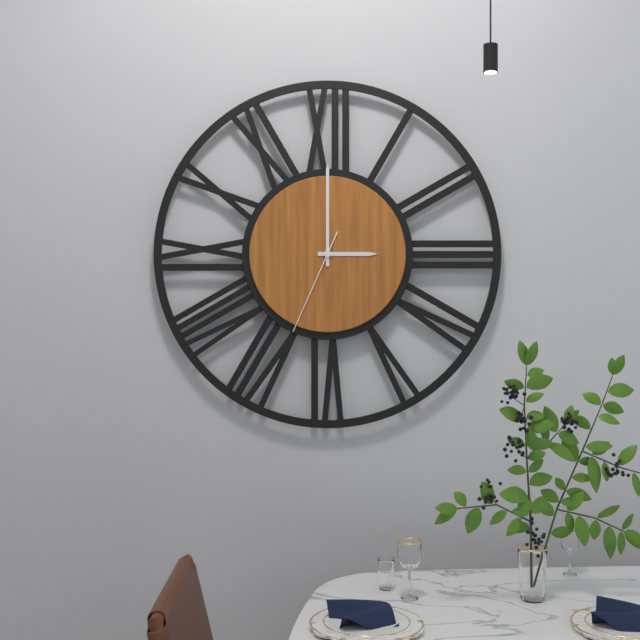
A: 3:00:34
